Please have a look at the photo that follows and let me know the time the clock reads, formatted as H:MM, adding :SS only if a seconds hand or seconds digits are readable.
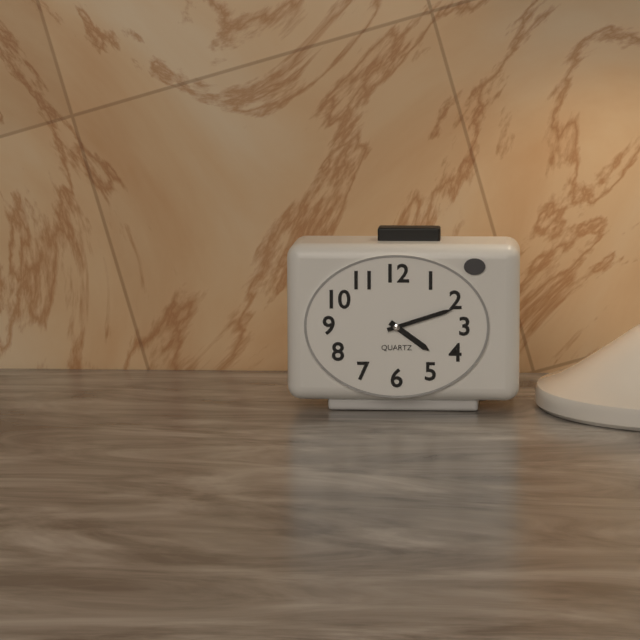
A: 4:12
